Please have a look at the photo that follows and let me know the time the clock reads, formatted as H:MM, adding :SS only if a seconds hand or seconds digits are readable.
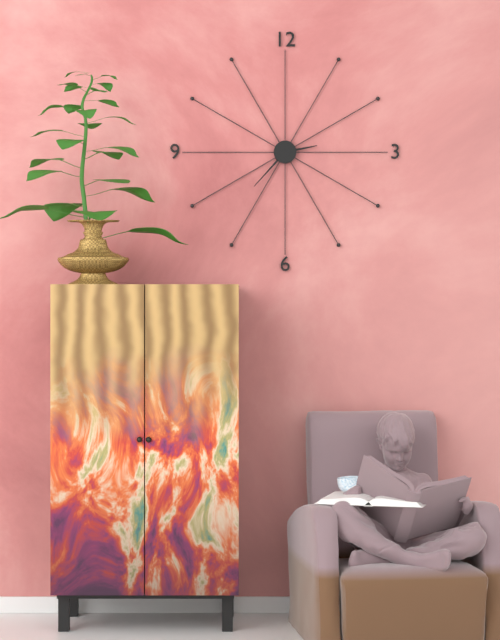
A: 2:37
